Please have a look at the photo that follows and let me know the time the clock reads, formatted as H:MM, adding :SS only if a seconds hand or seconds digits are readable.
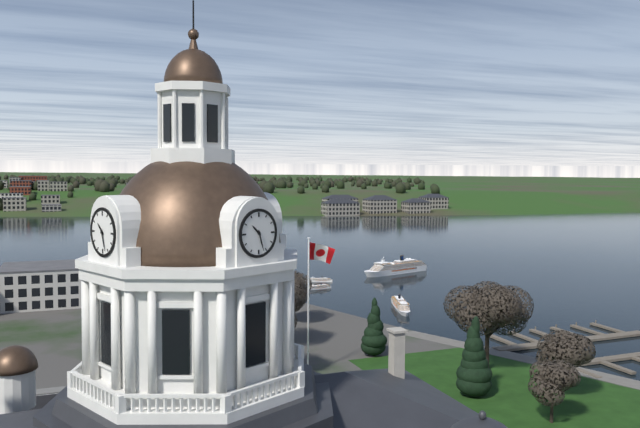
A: 10:27
